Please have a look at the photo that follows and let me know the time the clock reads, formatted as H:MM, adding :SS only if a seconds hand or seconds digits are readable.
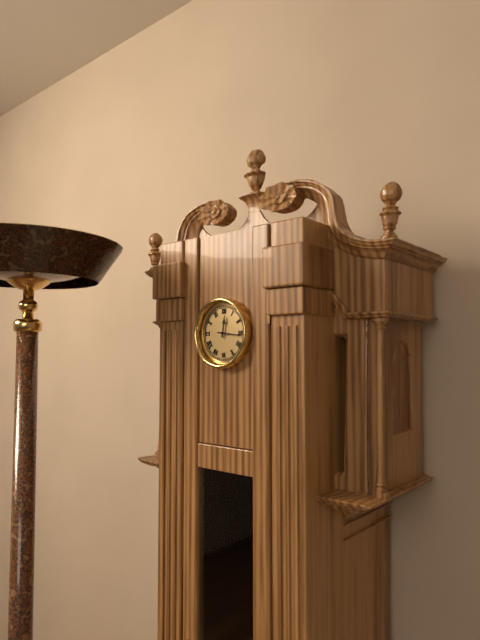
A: 12:16
